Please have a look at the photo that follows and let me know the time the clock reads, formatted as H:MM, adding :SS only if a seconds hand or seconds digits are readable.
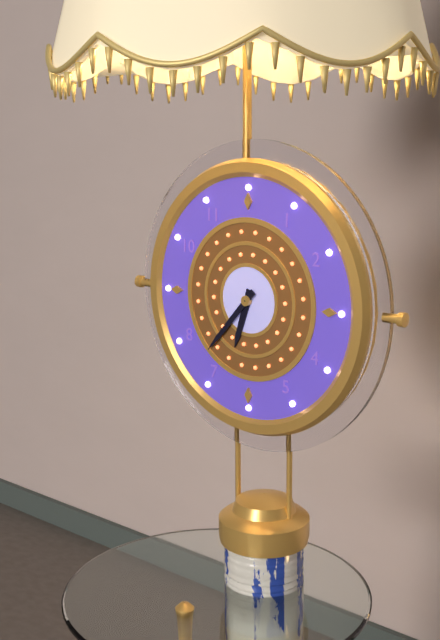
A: 6:37
